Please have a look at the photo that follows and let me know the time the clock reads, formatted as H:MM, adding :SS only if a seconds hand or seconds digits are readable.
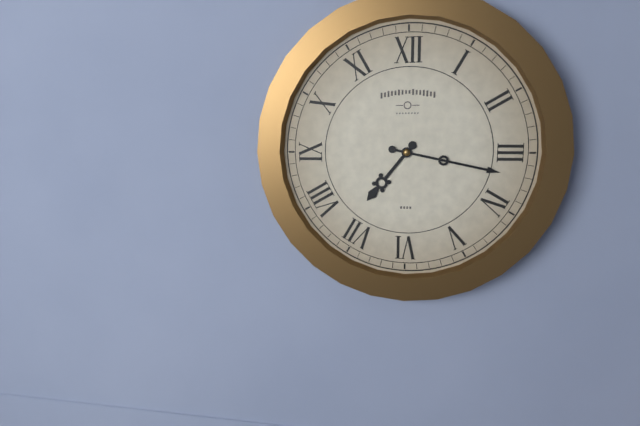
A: 7:17
